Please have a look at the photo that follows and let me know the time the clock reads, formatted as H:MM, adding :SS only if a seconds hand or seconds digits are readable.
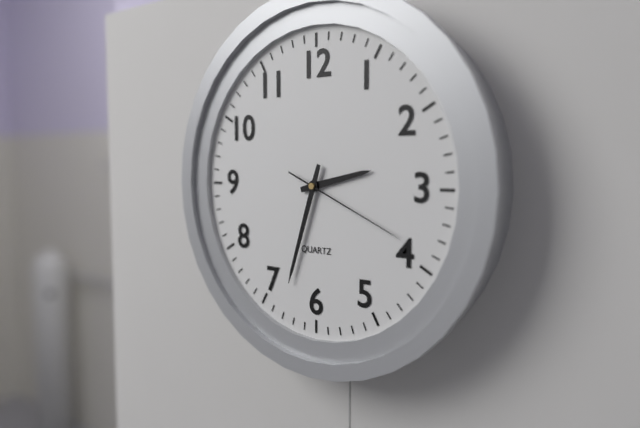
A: 2:33:19
